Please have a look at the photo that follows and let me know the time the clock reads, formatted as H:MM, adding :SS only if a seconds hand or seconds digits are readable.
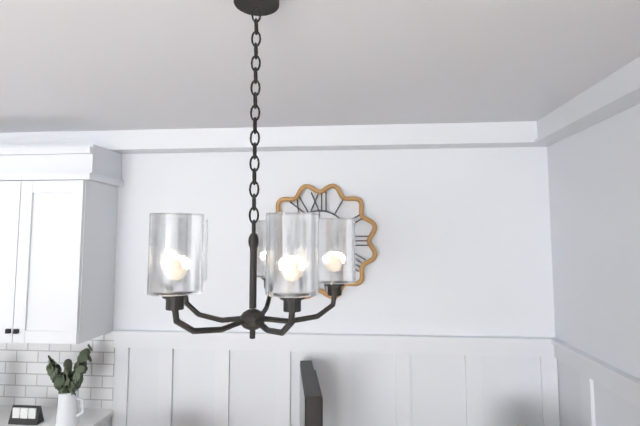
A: 4:09
